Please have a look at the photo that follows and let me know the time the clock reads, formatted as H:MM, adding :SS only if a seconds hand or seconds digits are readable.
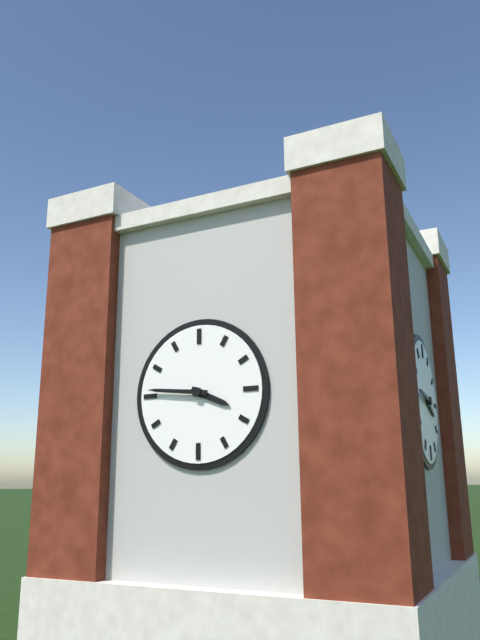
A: 3:46
